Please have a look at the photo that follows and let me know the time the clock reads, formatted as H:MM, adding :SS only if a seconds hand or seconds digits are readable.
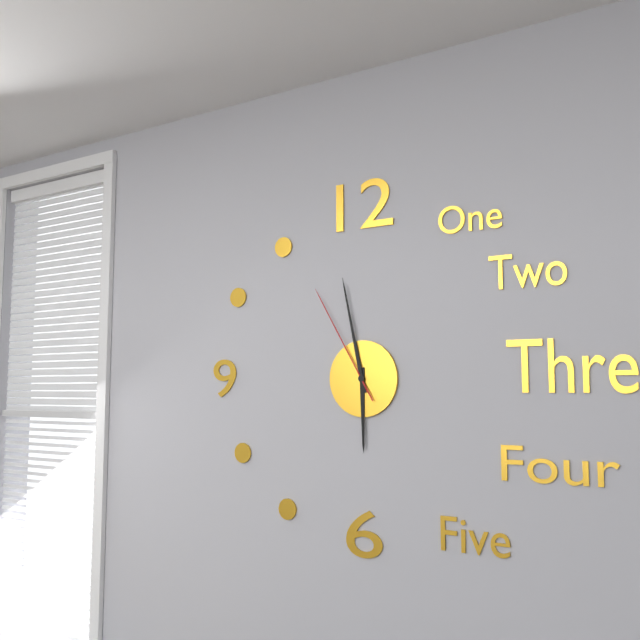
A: 5:58:55
